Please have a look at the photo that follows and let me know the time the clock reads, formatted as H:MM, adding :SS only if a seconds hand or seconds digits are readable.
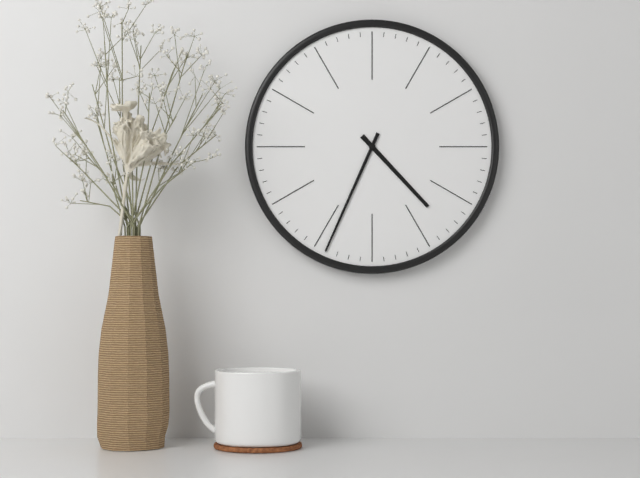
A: 4:34
